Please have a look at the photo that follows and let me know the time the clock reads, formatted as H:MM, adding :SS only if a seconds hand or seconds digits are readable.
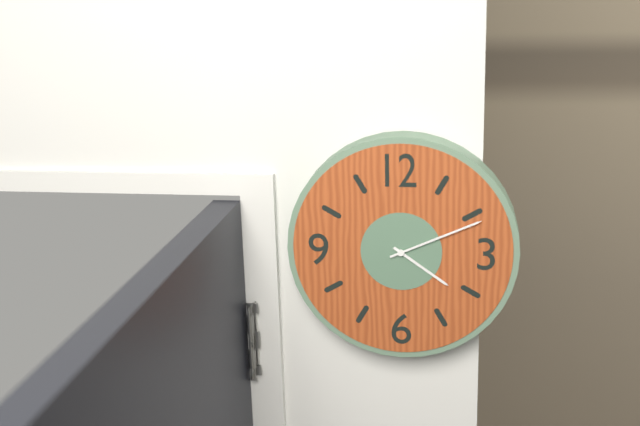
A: 4:11
